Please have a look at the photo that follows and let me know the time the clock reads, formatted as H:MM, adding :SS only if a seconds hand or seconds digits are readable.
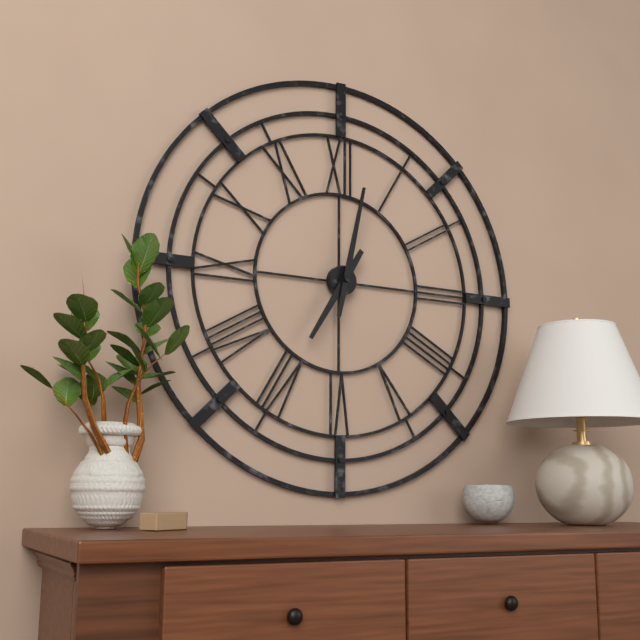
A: 7:02
